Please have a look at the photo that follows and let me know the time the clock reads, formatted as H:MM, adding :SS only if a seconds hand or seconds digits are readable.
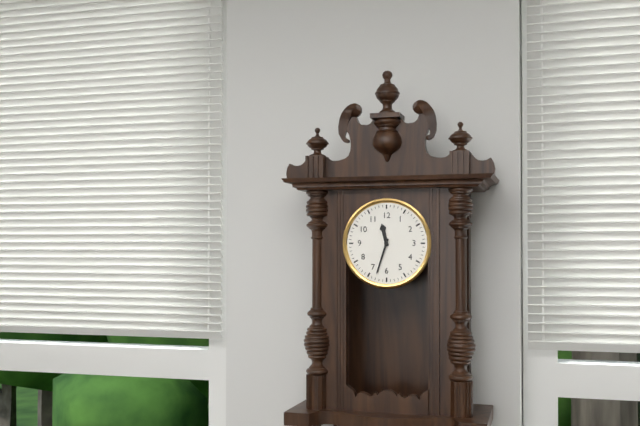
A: 11:33
